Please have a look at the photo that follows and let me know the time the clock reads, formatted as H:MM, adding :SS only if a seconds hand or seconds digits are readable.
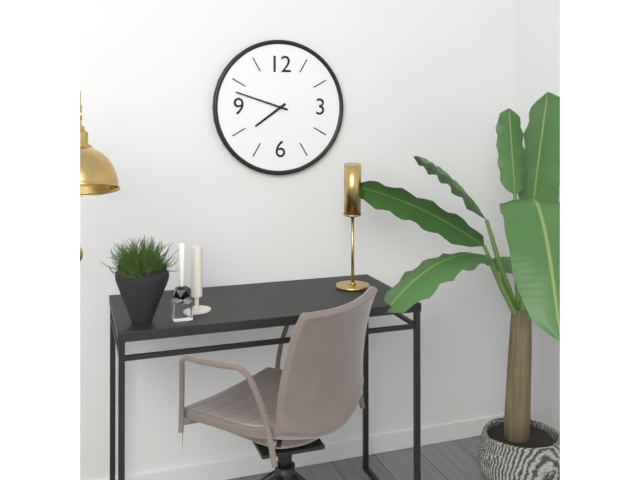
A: 7:48
